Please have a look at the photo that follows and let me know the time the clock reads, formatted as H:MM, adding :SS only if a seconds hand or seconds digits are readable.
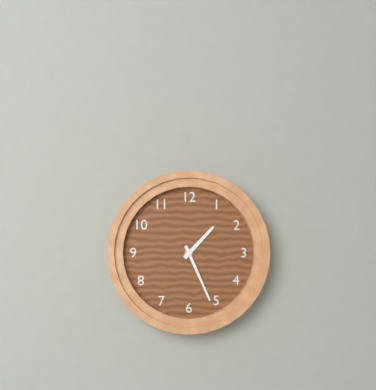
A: 1:26
